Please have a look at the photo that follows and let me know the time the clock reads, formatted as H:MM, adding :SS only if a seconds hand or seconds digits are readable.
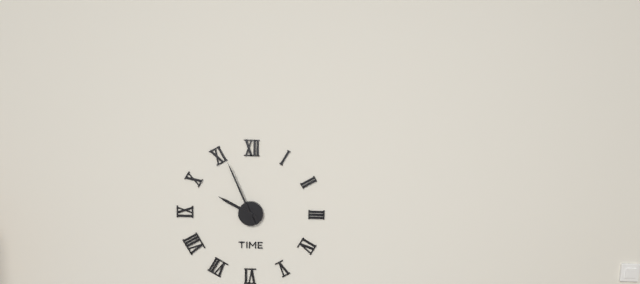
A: 9:56
